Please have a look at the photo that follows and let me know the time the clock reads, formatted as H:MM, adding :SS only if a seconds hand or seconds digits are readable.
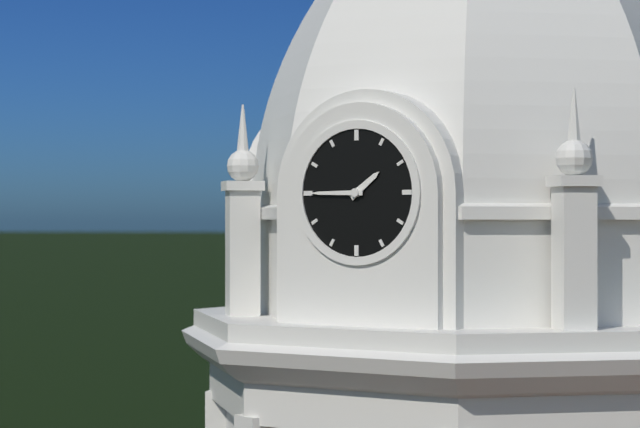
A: 1:45
